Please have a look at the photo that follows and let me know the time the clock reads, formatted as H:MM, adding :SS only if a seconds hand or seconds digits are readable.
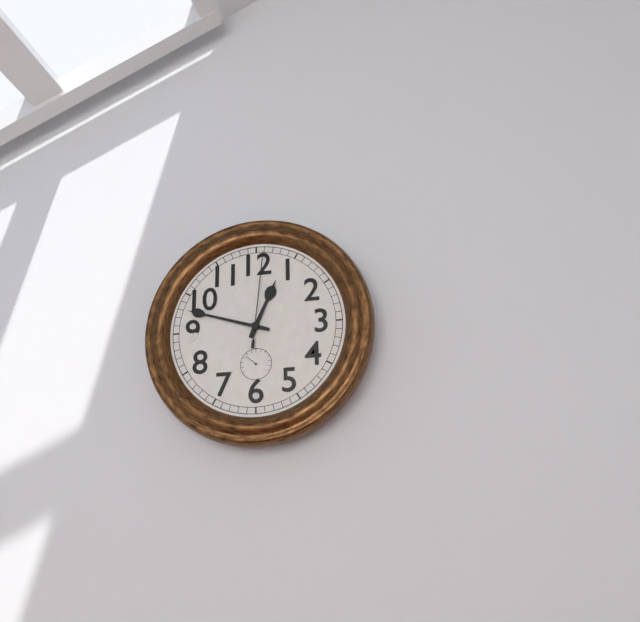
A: 12:48:01
